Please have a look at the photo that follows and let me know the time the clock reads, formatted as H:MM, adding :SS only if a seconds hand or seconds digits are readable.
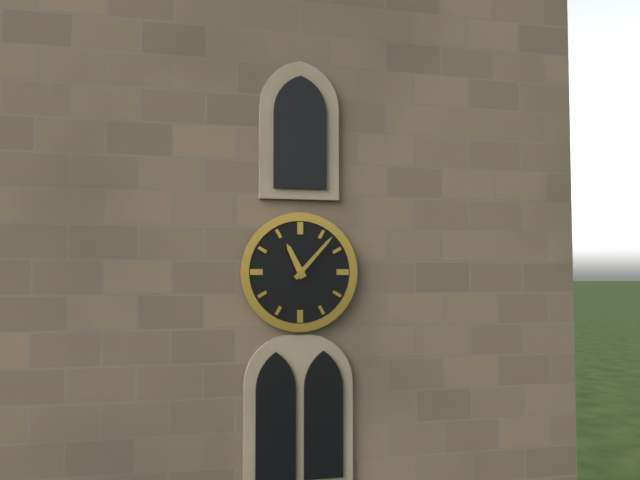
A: 11:07
